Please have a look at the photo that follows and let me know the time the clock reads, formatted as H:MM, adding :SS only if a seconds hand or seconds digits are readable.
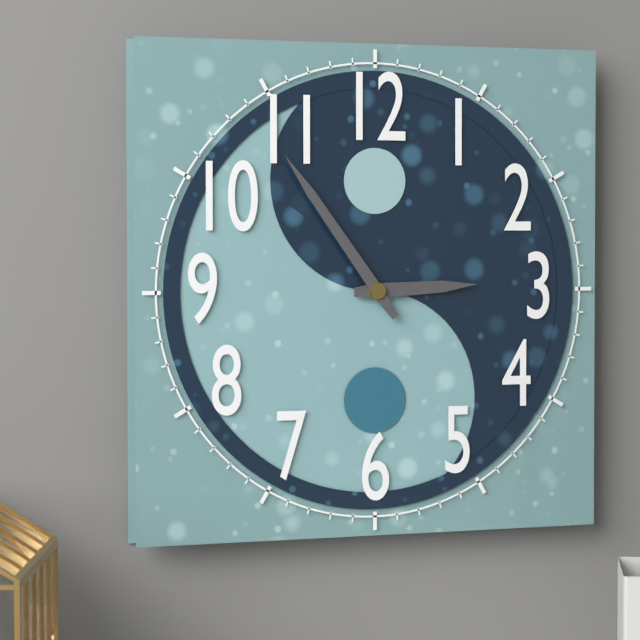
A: 2:54
